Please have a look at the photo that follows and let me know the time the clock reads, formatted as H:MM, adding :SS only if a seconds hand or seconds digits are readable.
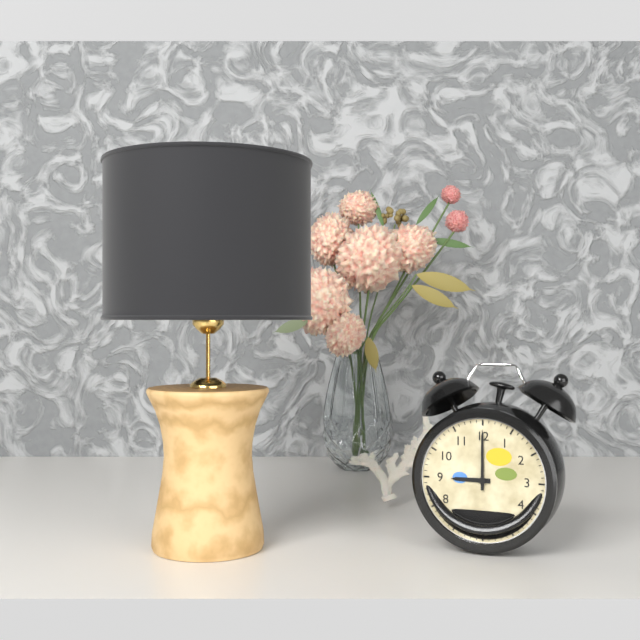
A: 9:00
